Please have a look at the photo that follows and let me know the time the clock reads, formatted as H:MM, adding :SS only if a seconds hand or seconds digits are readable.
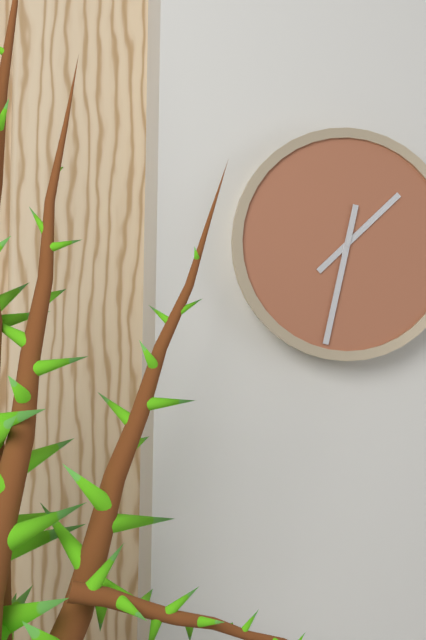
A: 1:32
